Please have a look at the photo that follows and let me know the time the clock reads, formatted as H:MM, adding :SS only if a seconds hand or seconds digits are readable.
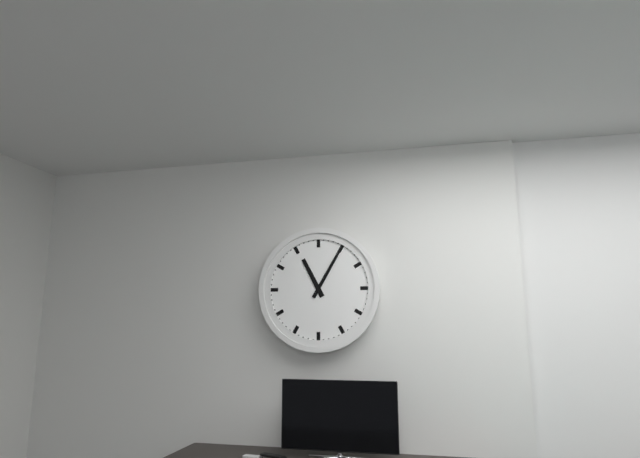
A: 11:05
